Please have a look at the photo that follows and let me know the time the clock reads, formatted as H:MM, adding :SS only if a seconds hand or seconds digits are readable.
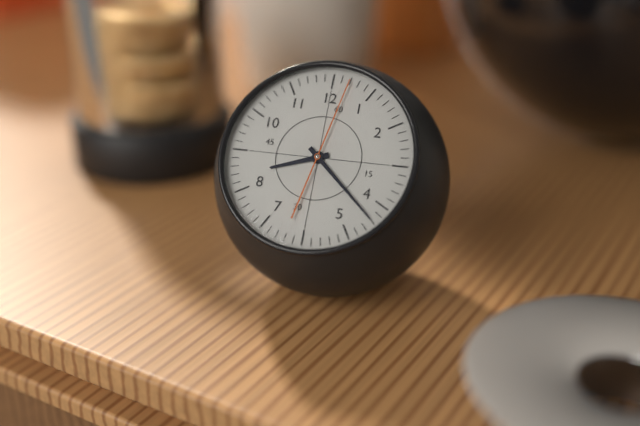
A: 8:22:02
